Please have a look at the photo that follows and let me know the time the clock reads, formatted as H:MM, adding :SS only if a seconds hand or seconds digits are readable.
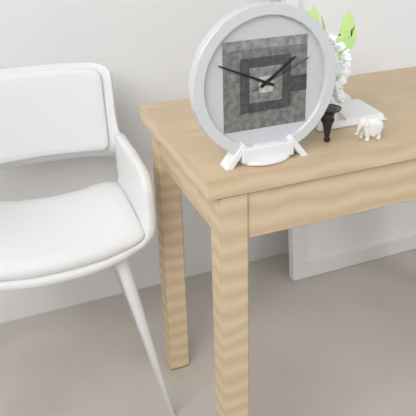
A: 1:49:11
